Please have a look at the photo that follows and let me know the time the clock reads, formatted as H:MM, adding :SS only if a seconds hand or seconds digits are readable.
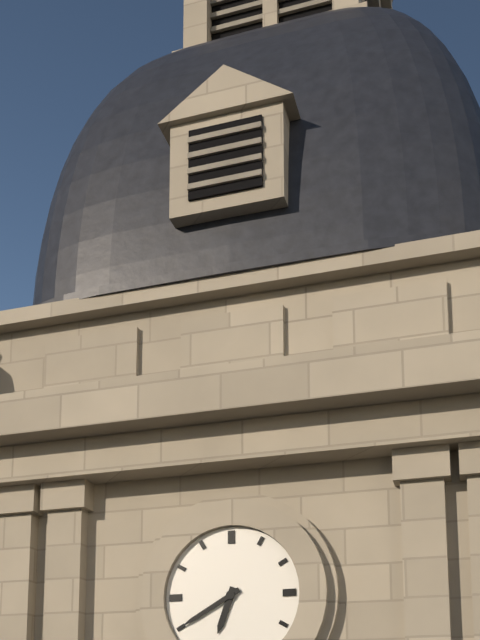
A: 6:40
